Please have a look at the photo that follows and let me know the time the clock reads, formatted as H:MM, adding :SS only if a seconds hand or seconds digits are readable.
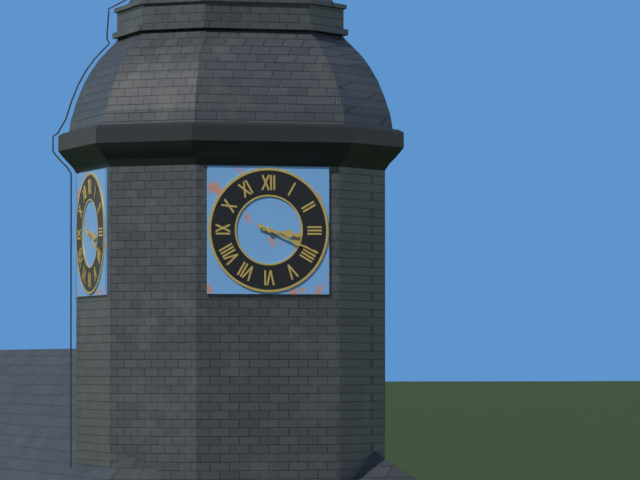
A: 3:19
